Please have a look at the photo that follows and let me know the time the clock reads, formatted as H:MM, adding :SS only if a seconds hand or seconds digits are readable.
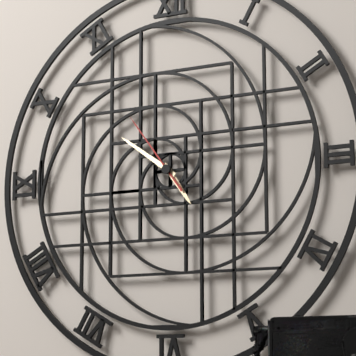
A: 4:51:54
